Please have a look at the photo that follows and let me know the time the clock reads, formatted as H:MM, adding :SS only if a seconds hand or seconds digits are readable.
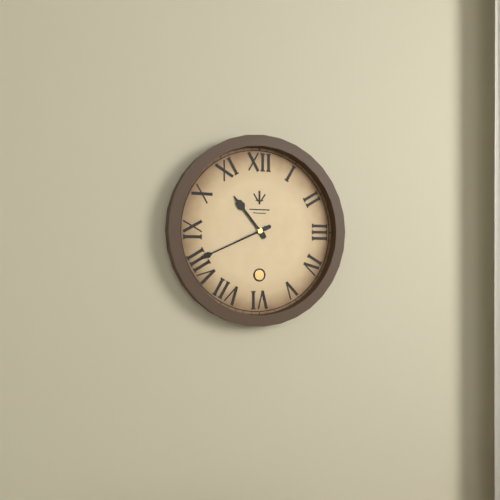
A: 10:41
